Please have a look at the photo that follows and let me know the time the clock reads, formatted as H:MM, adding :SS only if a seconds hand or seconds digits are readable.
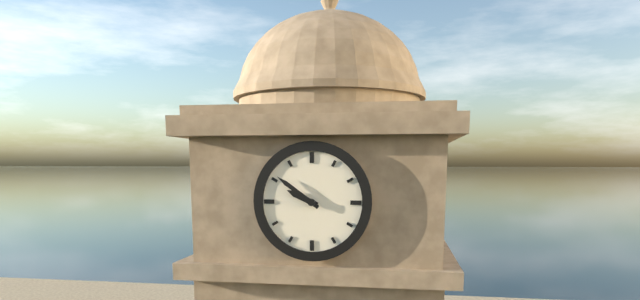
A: 9:51
